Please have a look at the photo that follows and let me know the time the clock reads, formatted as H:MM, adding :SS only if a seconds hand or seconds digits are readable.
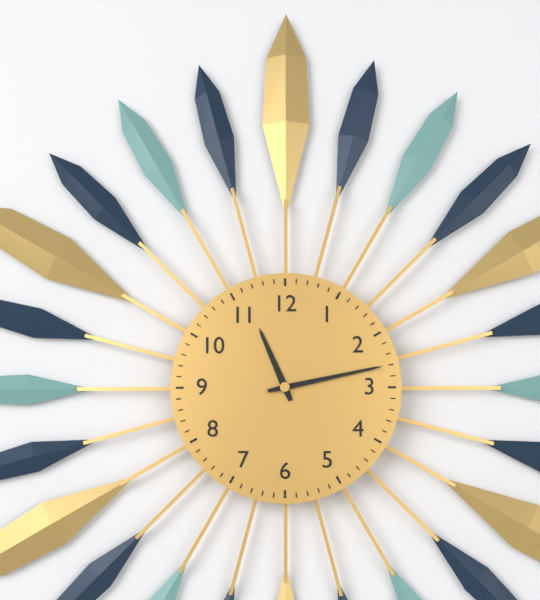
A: 11:13
